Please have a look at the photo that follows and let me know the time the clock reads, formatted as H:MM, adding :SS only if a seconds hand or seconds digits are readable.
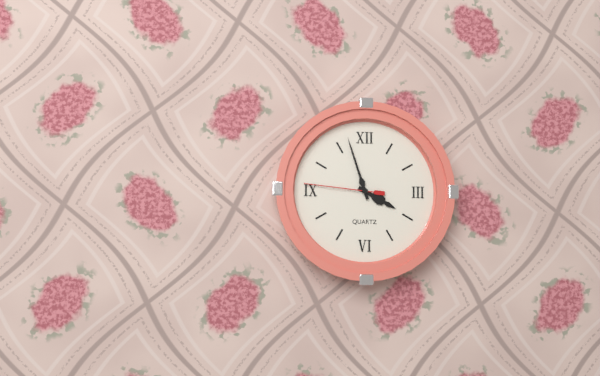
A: 3:57:46
